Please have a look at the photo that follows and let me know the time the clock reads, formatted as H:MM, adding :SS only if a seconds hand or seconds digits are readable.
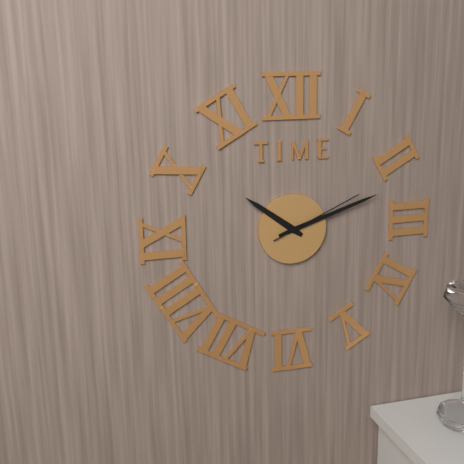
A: 10:12:11
